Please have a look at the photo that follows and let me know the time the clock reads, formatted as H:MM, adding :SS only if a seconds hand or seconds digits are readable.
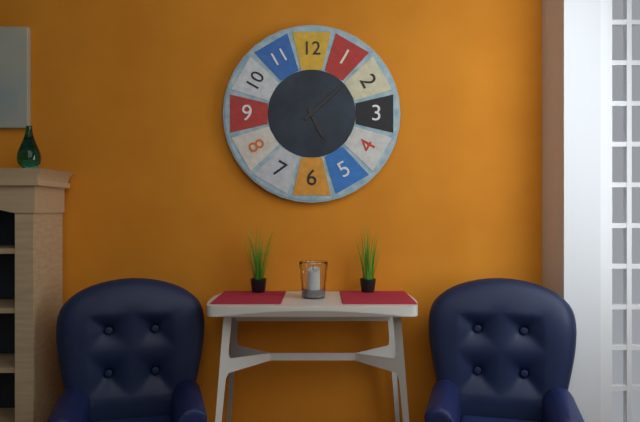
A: 5:08
